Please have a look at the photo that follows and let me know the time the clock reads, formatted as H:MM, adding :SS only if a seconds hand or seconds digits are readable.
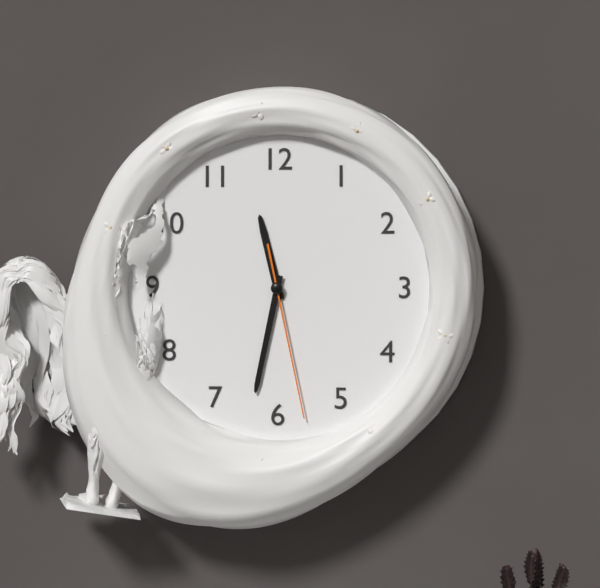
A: 11:32:28
